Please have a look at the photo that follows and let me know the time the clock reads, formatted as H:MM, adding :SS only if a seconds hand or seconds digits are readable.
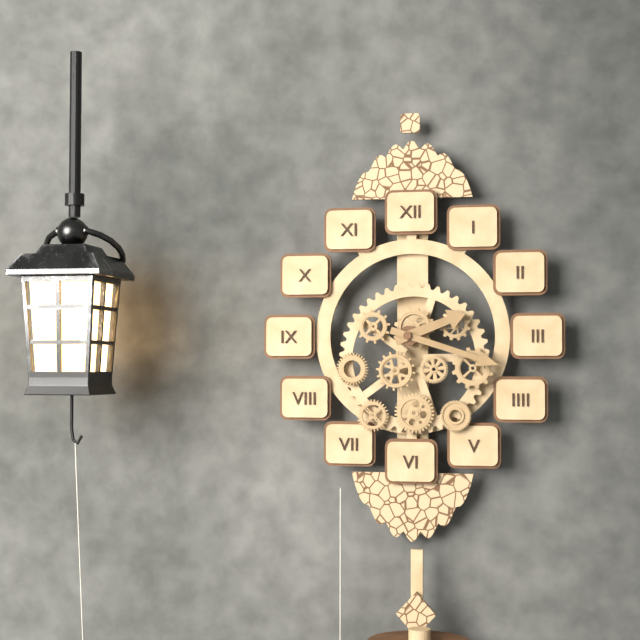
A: 2:18
